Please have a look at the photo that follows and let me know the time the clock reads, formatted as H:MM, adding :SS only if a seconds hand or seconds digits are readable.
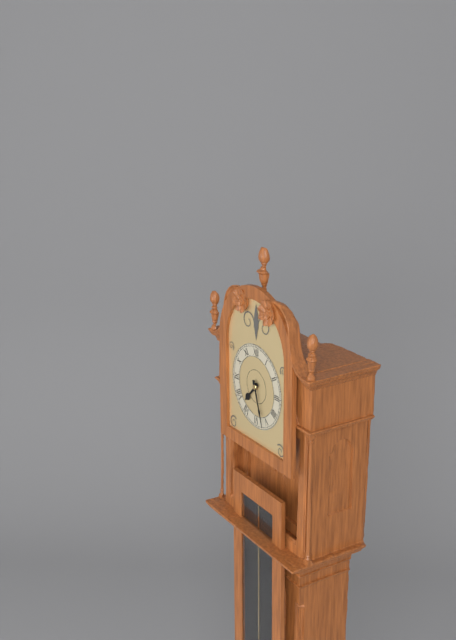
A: 7:27
